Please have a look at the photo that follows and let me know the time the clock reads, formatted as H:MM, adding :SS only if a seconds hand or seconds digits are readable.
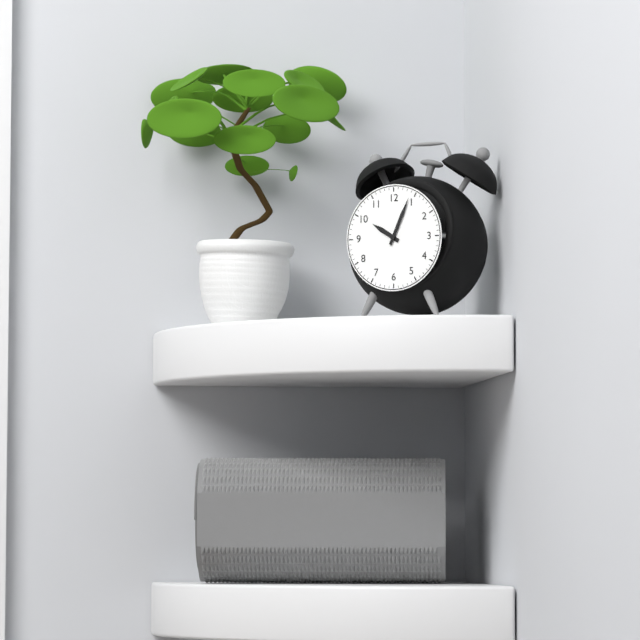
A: 10:04
